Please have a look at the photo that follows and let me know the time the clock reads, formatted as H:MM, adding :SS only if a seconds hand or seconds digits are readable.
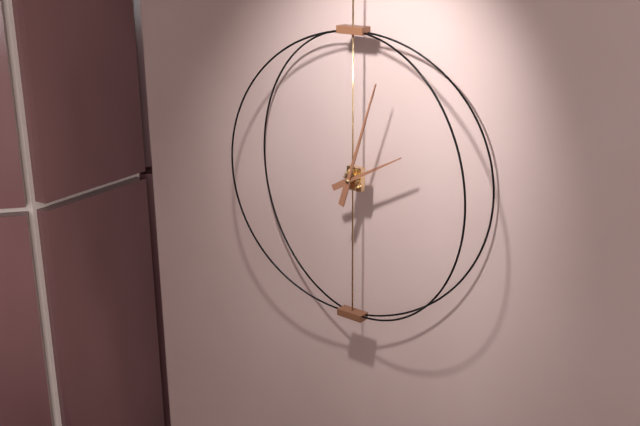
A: 2:03
